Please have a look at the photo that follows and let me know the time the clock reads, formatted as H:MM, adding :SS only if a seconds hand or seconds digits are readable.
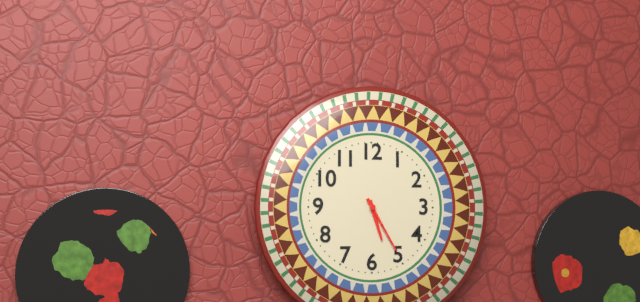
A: 5:25
